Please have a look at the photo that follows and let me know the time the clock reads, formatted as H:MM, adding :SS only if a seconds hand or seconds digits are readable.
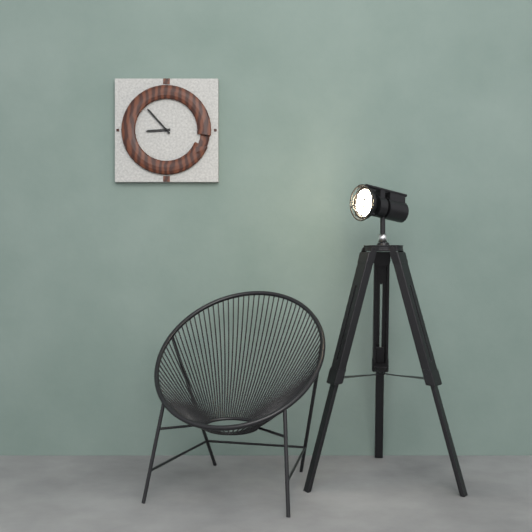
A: 8:53
